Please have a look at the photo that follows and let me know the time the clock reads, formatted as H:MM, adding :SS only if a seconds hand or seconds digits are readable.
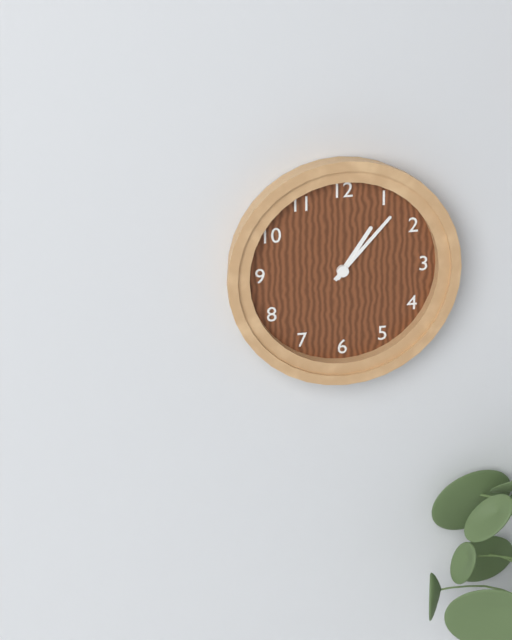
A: 1:07
